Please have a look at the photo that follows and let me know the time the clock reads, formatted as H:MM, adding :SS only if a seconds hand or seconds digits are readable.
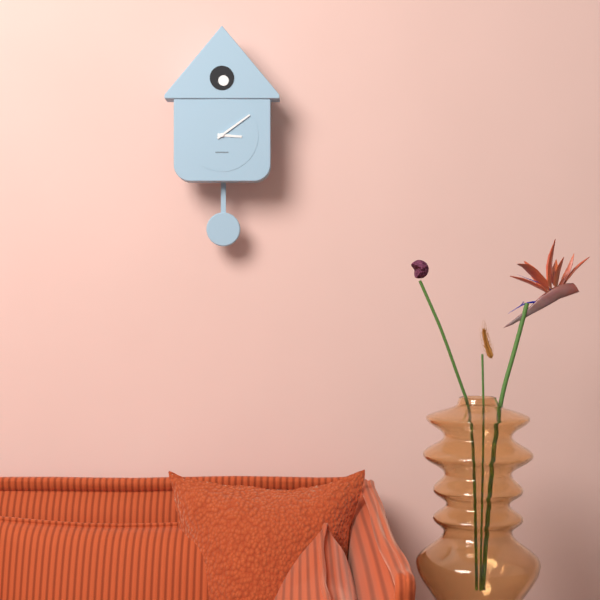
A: 3:09
